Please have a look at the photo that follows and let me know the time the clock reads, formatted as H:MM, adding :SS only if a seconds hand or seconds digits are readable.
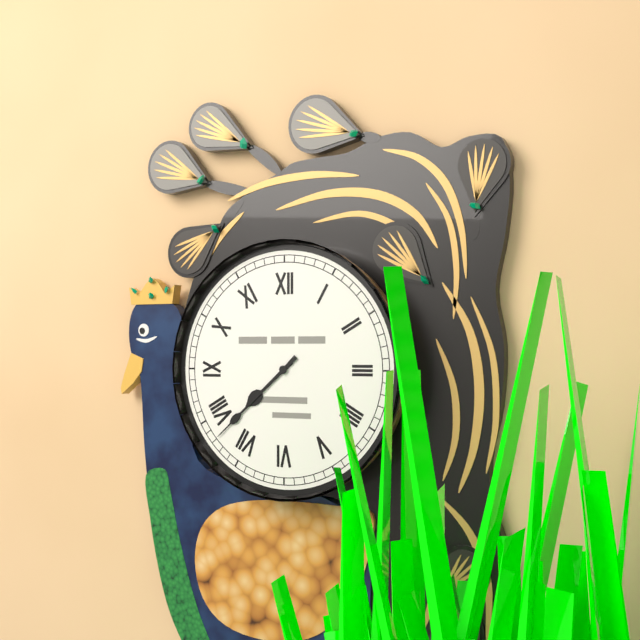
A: 7:38
